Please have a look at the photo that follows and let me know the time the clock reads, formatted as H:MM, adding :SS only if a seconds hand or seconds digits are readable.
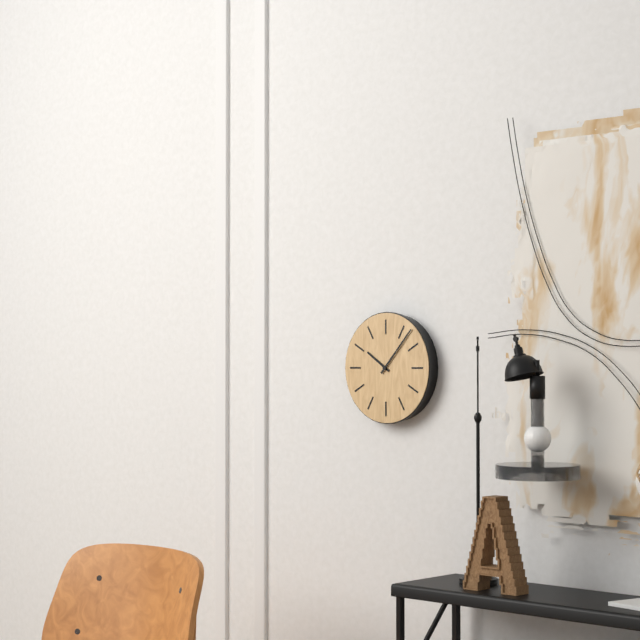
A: 10:07
